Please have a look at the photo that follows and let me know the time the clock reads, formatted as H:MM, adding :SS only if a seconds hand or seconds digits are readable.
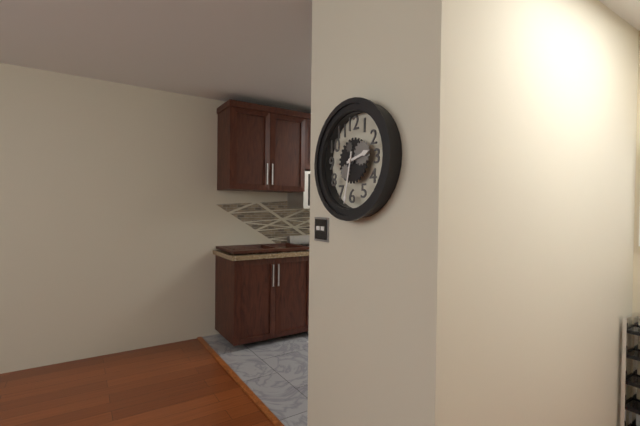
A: 2:32
